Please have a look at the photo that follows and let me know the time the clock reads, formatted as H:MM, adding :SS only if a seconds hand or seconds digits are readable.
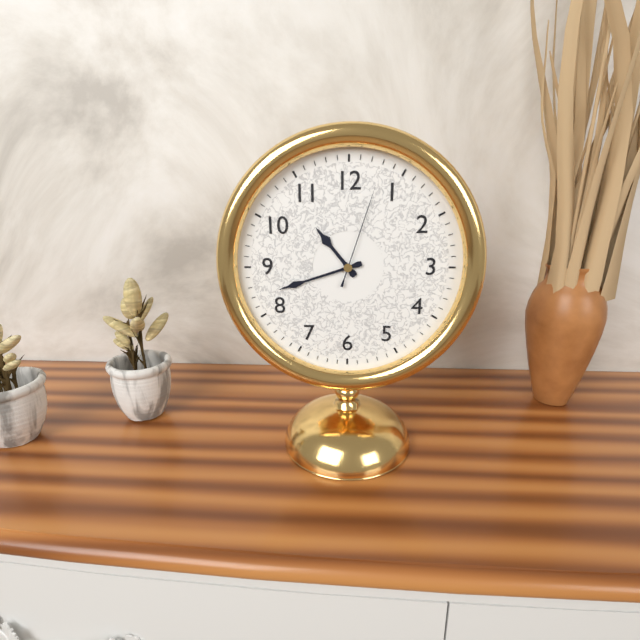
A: 10:42:03
